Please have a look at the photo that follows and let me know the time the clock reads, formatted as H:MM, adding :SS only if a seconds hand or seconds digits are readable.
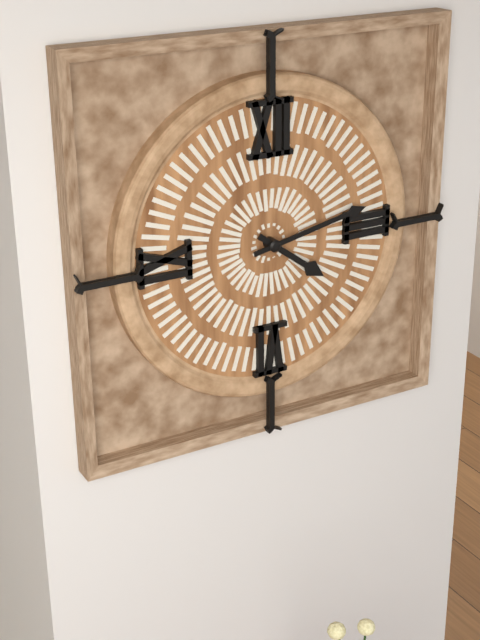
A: 4:13
